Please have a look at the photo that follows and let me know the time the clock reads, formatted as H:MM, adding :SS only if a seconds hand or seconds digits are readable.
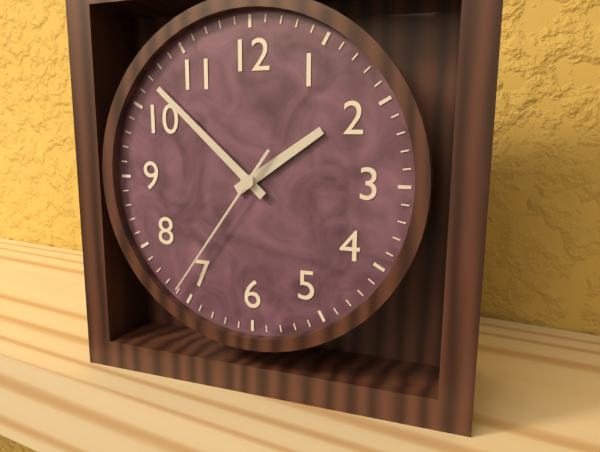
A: 1:52:36
